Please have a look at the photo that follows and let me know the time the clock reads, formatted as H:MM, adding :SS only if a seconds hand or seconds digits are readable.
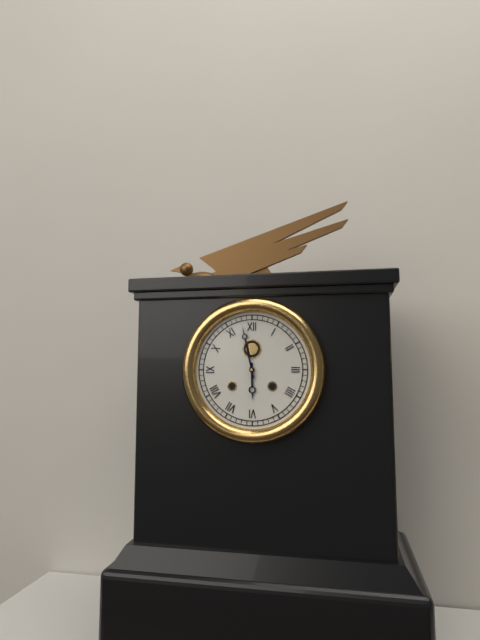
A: 5:58
